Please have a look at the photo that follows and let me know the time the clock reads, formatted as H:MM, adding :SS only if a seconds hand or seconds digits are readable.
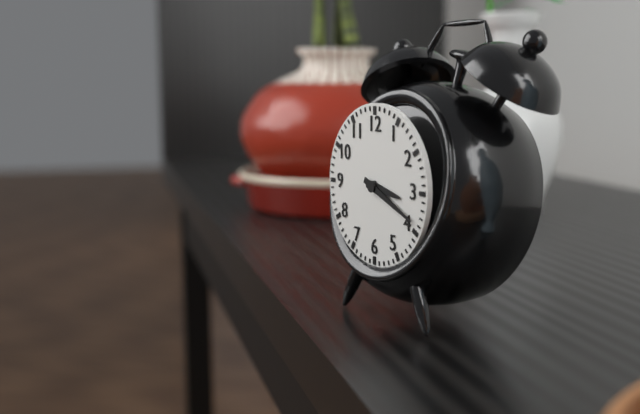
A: 3:19
